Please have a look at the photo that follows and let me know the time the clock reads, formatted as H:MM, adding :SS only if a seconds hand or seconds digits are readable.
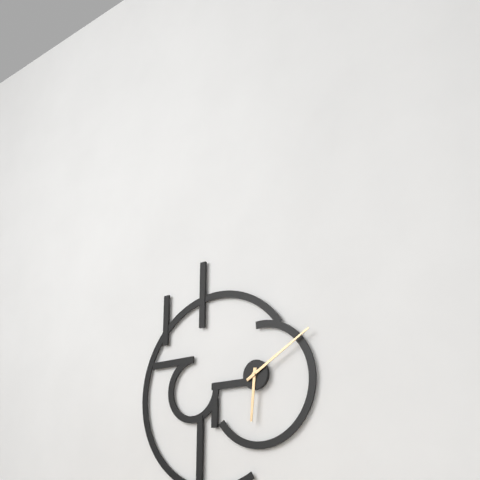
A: 6:10
